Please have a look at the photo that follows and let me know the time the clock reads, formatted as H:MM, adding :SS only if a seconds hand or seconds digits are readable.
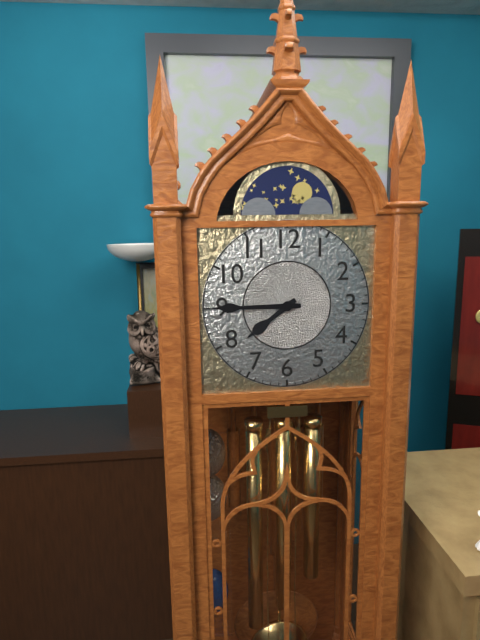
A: 7:45
